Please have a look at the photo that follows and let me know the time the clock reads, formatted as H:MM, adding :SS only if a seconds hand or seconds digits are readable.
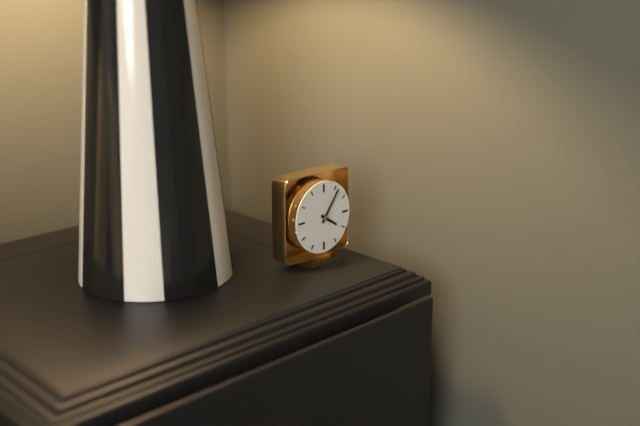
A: 4:06
